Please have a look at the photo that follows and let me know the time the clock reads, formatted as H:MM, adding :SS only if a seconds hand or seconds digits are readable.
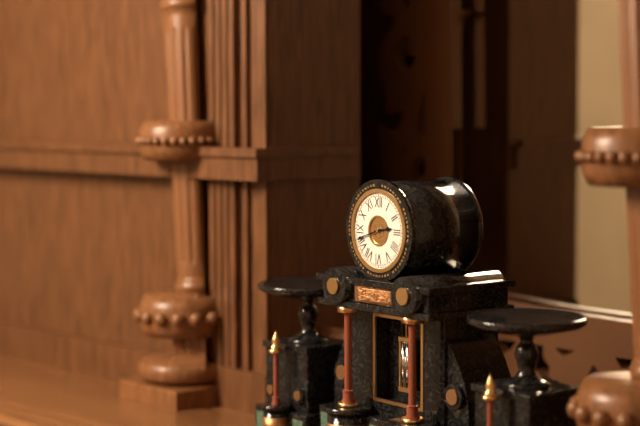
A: 2:42
